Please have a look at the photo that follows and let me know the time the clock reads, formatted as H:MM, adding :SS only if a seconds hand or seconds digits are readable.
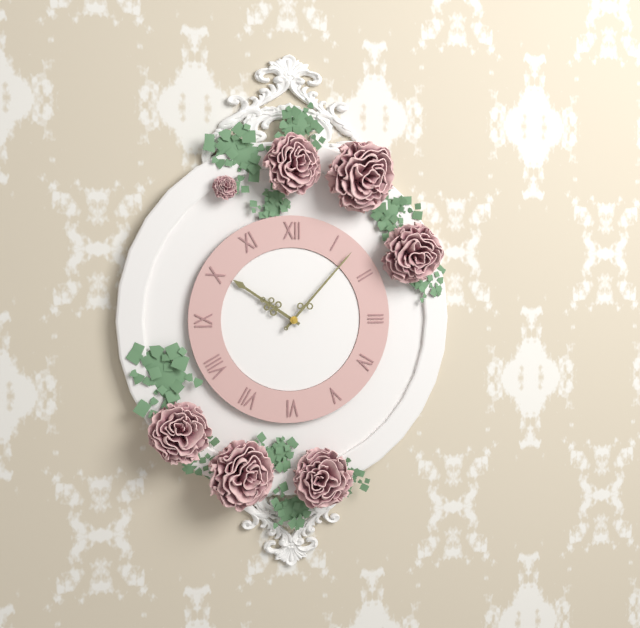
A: 10:07
